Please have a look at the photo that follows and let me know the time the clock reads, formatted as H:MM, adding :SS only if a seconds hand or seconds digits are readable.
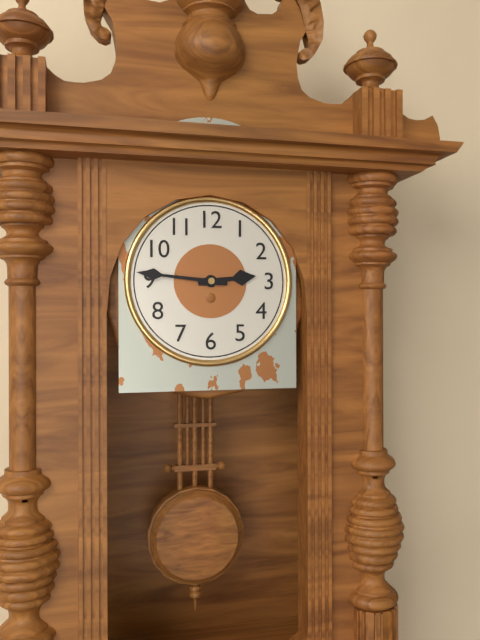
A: 2:46
